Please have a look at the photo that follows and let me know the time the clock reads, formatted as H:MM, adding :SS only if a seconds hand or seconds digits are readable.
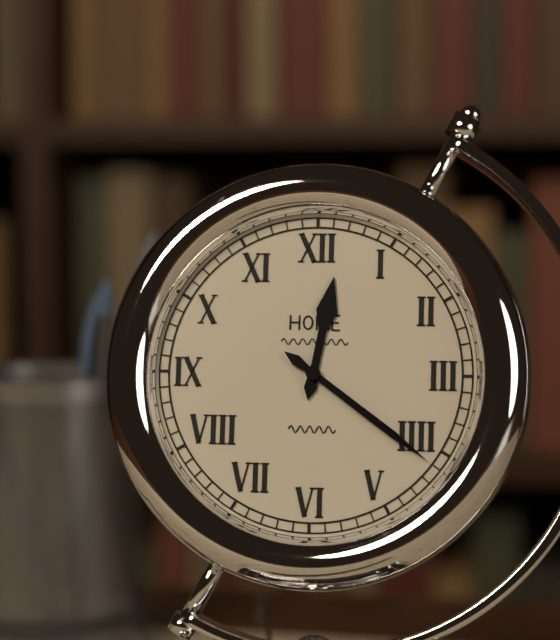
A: 12:21
